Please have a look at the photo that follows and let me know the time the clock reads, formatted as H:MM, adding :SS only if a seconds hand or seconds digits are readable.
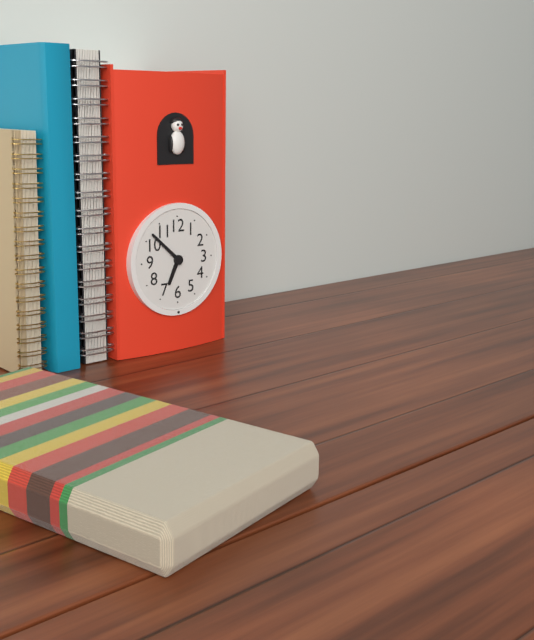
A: 6:52
